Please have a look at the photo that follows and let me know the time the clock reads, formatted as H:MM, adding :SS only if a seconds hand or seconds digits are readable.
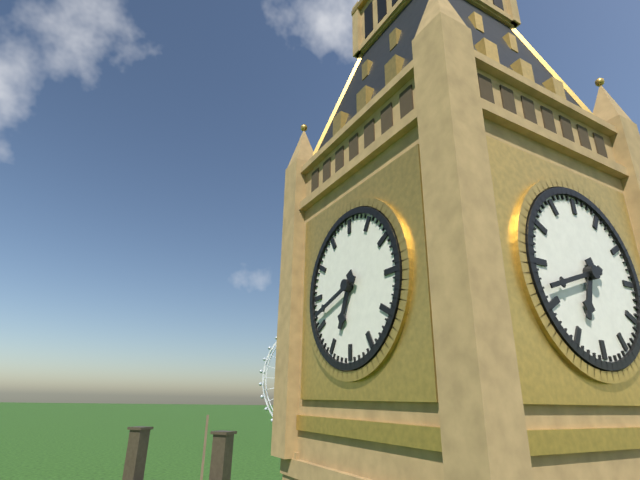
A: 6:42
